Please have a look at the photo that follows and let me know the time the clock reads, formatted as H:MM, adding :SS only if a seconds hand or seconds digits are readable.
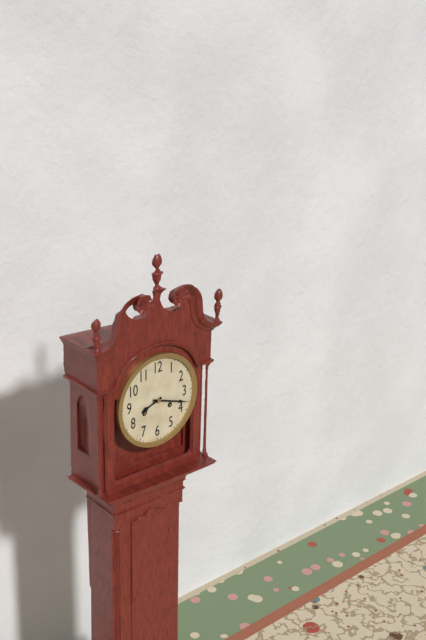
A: 8:18
